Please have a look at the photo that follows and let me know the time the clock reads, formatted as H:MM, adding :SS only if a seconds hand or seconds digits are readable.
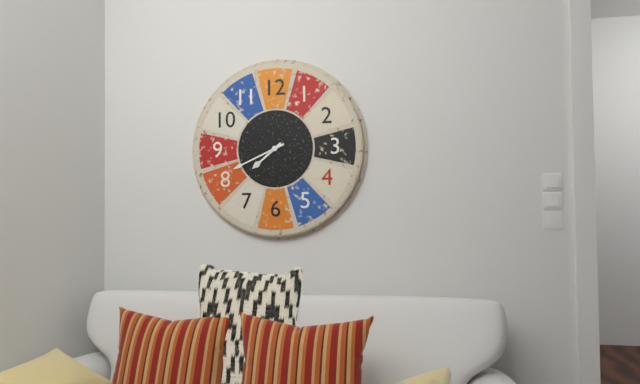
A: 7:41
